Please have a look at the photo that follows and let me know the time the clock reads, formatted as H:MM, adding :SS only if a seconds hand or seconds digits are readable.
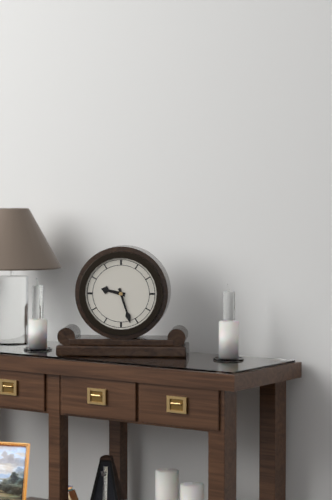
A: 9:27
